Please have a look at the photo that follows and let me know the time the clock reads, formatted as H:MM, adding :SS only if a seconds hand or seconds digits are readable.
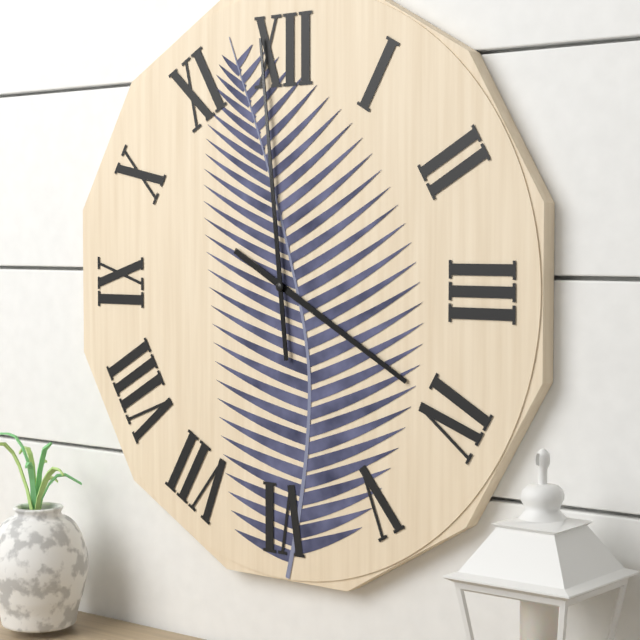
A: 3:59
